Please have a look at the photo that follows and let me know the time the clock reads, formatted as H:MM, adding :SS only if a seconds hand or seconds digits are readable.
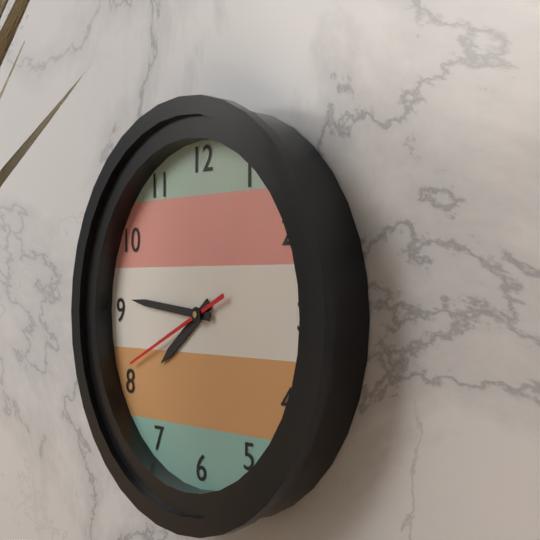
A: 7:46:41
